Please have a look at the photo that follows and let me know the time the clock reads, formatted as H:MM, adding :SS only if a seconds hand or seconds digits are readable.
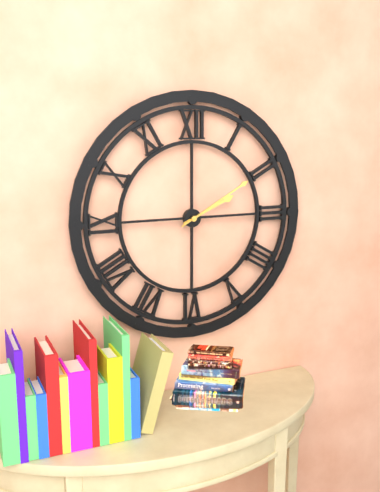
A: 2:10
